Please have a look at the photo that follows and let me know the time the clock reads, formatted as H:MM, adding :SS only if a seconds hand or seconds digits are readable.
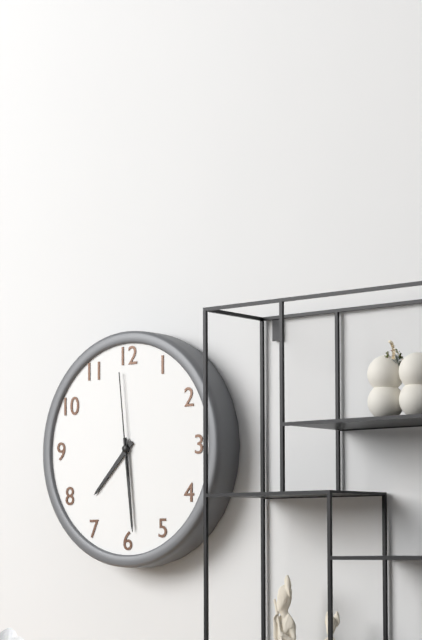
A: 7:29:59
